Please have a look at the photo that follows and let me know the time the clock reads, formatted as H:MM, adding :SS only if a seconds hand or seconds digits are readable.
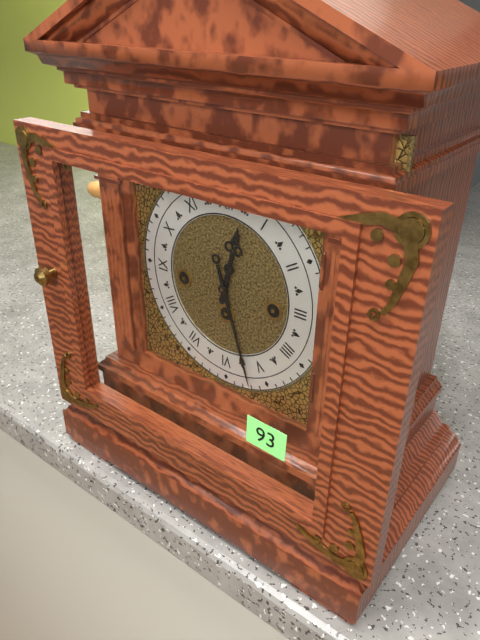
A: 12:27
